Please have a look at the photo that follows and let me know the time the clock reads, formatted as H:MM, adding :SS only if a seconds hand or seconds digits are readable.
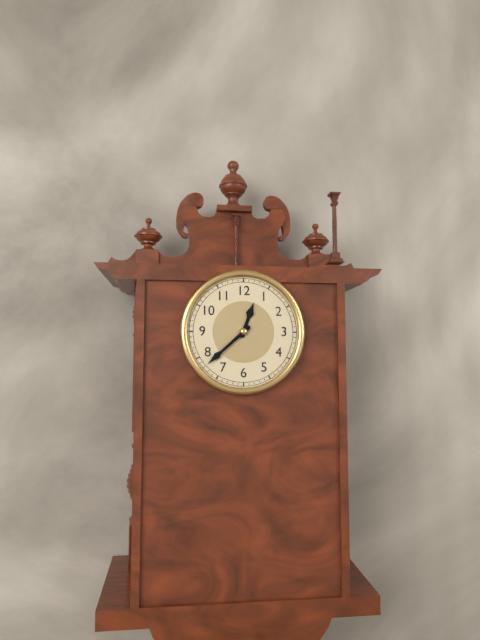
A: 12:38
